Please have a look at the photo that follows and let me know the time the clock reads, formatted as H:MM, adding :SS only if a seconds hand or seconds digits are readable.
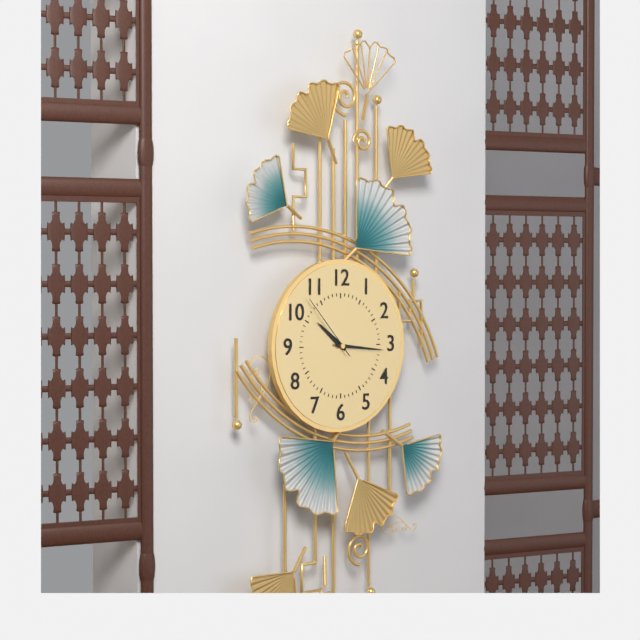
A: 10:16:53
